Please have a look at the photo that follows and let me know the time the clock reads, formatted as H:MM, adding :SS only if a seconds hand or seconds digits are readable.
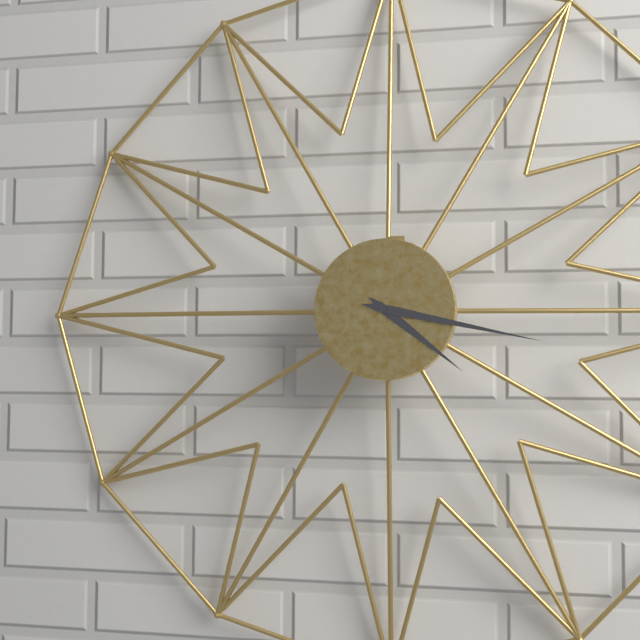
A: 4:17
